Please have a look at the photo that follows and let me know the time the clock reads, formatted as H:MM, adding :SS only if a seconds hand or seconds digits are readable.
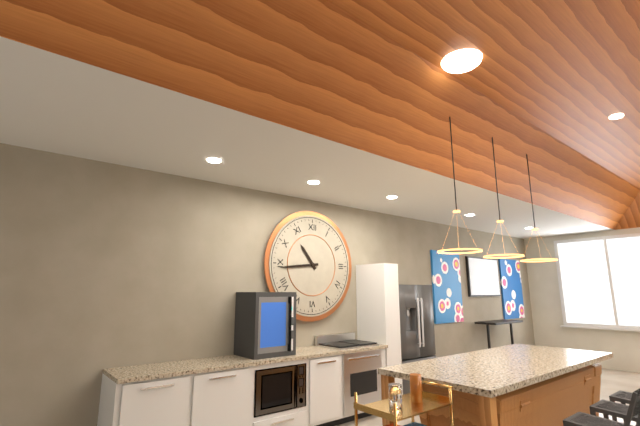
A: 10:44
